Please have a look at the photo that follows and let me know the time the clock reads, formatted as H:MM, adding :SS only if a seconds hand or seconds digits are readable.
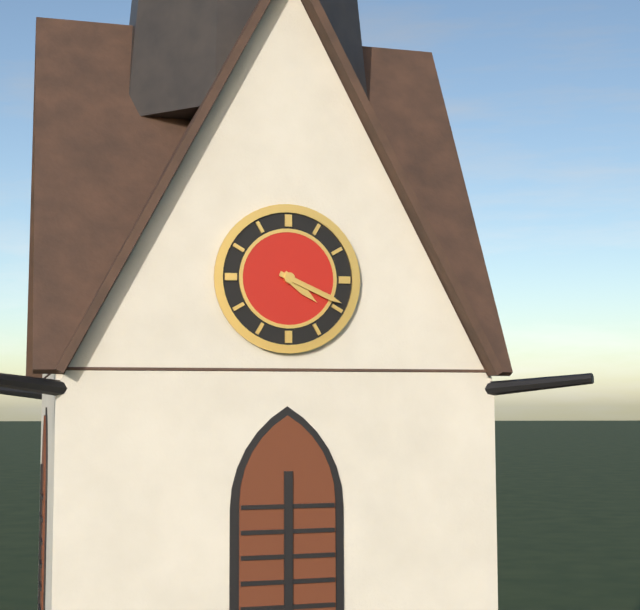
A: 4:19
